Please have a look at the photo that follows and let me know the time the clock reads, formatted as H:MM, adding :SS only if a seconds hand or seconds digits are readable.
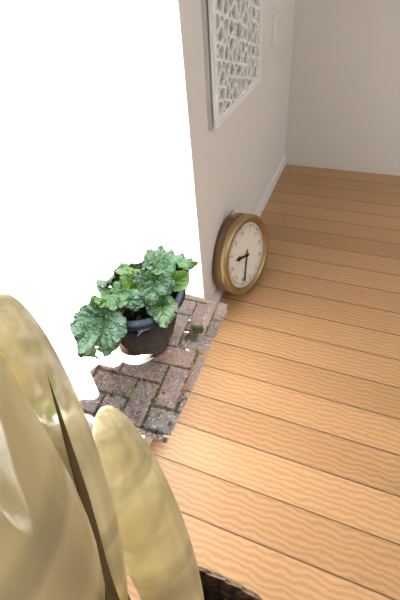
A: 9:34
